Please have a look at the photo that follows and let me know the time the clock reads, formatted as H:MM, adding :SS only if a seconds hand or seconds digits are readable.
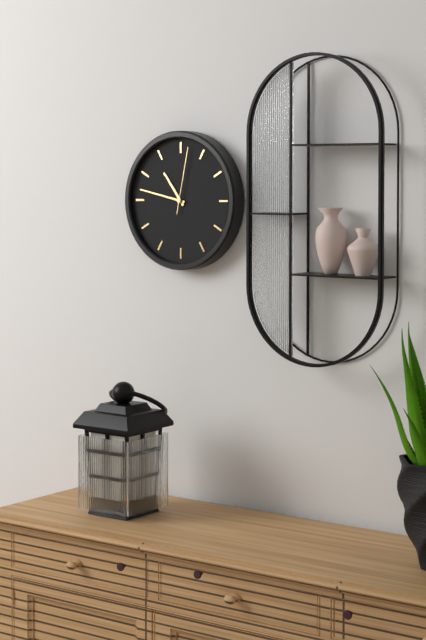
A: 10:47:02
